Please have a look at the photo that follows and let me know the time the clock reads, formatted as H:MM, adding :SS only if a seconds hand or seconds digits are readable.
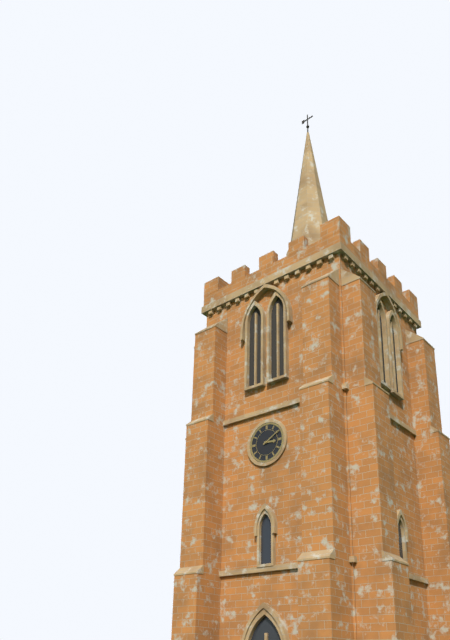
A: 3:10
